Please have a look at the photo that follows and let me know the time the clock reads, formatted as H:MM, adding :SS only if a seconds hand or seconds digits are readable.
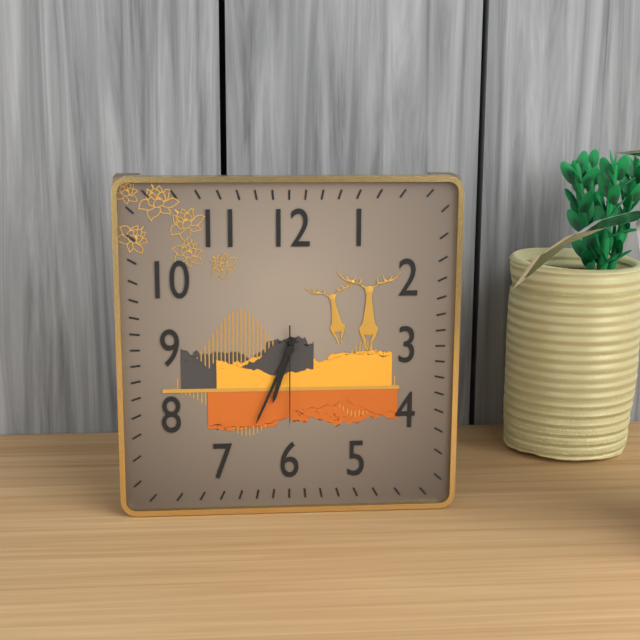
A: 6:34:30
